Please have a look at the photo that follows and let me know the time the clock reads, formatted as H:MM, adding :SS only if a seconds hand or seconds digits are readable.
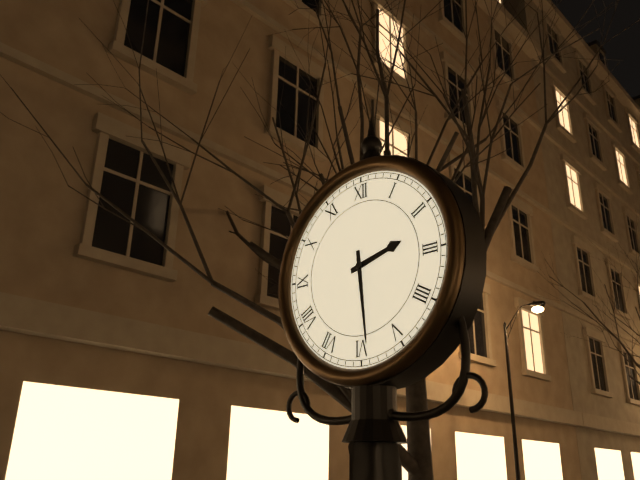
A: 2:29
